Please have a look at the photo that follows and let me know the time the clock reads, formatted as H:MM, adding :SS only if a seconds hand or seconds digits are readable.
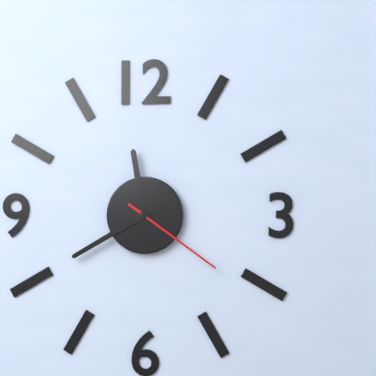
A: 11:40:21
